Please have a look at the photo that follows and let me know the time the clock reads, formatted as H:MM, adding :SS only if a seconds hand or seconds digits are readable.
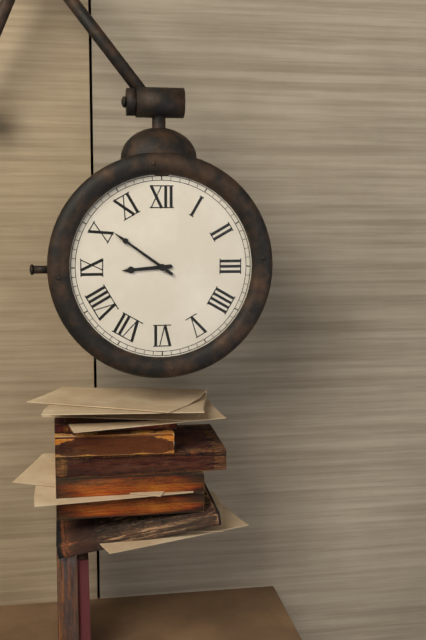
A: 8:51
